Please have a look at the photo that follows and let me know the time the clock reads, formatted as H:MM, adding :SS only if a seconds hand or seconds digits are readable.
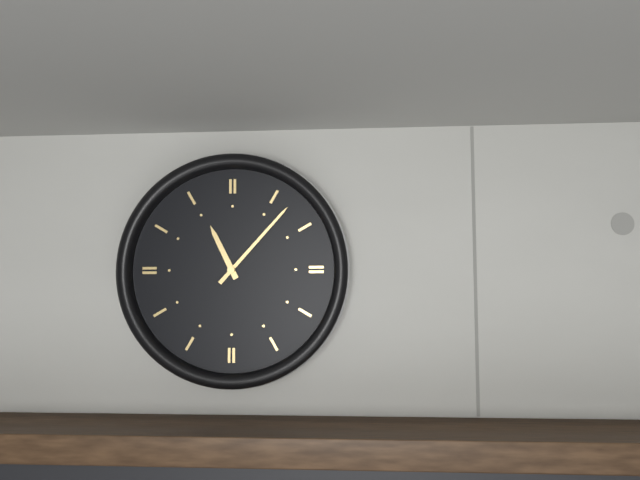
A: 11:07
